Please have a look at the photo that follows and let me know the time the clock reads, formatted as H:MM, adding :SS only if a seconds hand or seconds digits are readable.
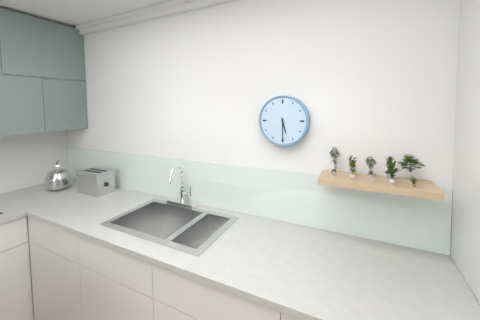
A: 5:30
